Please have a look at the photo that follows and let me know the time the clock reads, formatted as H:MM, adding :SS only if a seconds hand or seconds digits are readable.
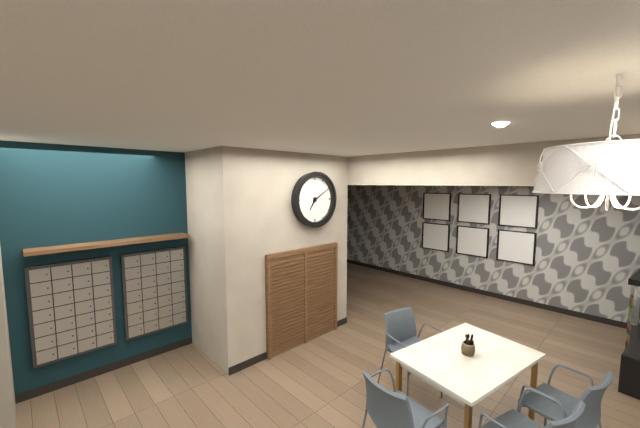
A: 7:10
